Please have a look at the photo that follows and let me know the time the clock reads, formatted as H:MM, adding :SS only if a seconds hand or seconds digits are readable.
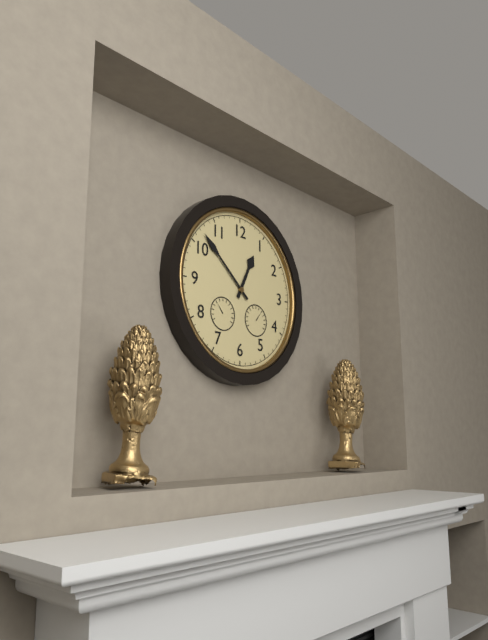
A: 12:52
